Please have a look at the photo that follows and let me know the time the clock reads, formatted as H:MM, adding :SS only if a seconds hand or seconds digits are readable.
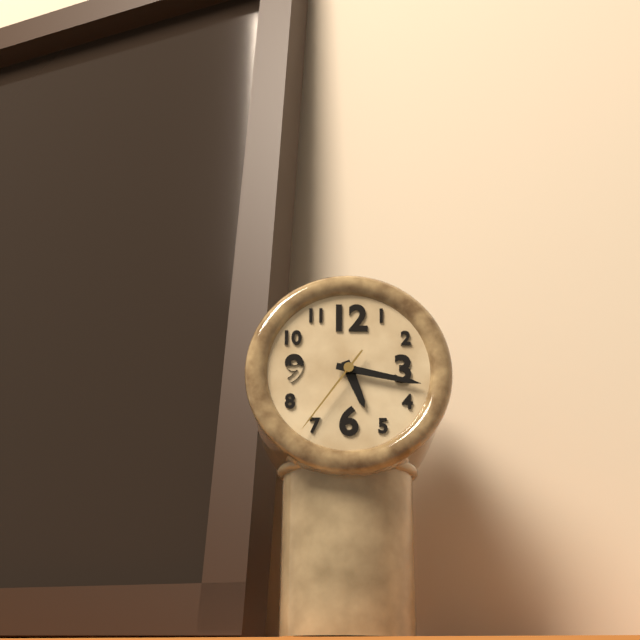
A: 5:17:36
